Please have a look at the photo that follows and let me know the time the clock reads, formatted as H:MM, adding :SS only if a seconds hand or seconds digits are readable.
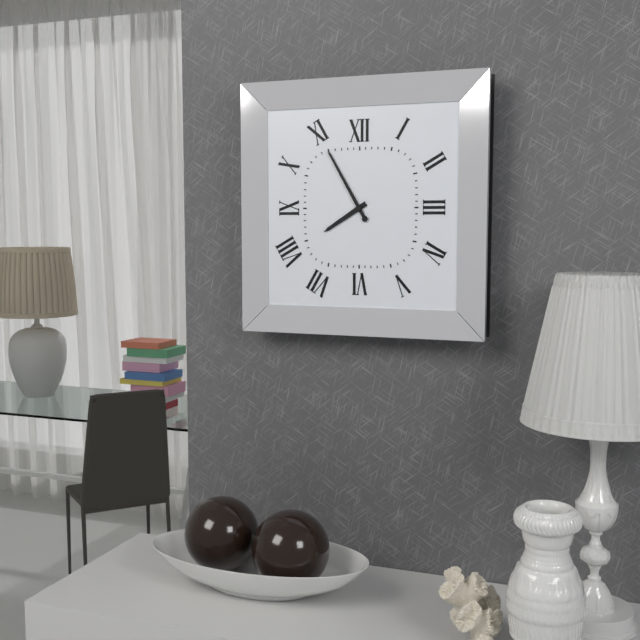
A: 7:55
